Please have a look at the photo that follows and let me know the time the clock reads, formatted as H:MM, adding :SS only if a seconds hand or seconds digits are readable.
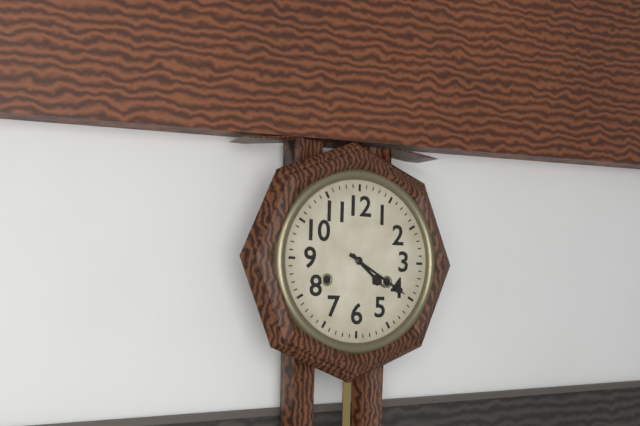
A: 4:20
